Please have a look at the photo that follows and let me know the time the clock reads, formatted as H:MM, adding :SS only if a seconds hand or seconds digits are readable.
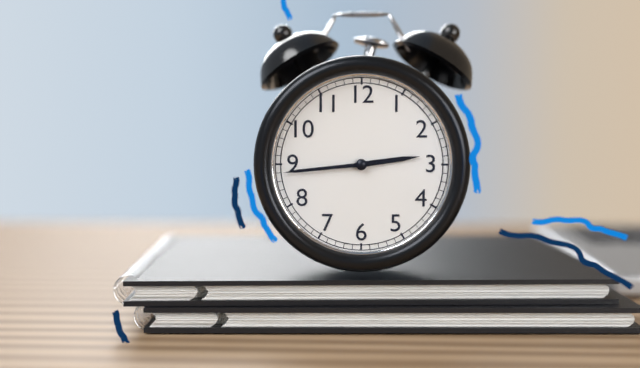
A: 2:44
